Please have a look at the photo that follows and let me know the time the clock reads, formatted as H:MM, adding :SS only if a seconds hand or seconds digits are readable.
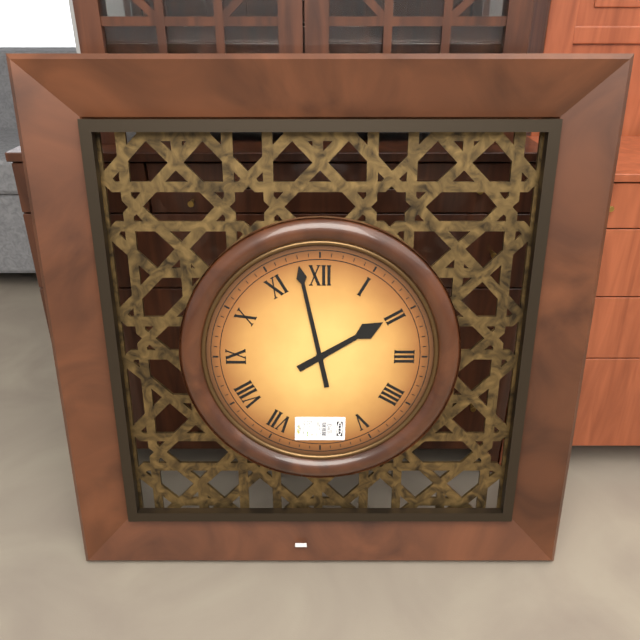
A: 1:58
